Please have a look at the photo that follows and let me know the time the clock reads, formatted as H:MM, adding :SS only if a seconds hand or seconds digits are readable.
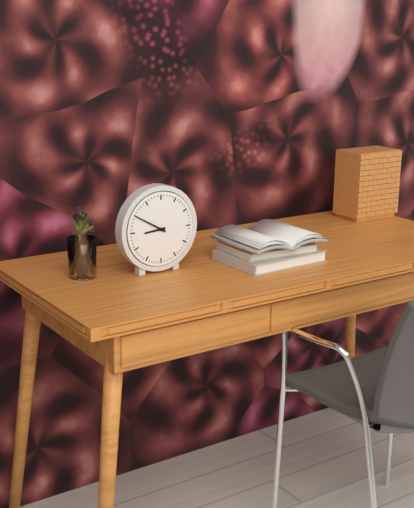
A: 8:50
